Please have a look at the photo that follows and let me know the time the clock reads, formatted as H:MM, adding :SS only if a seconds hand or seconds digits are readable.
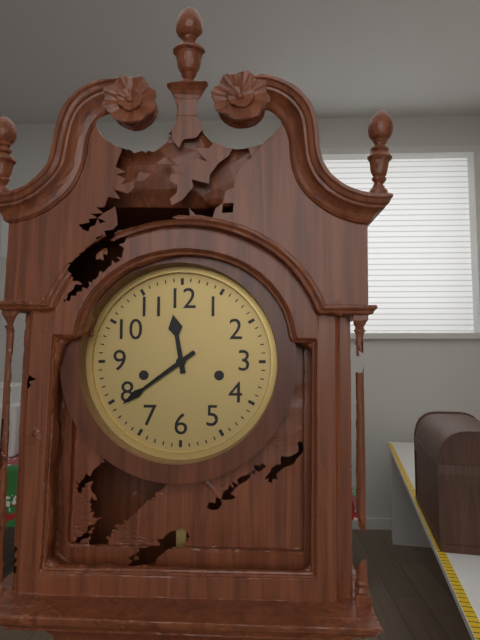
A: 11:39
